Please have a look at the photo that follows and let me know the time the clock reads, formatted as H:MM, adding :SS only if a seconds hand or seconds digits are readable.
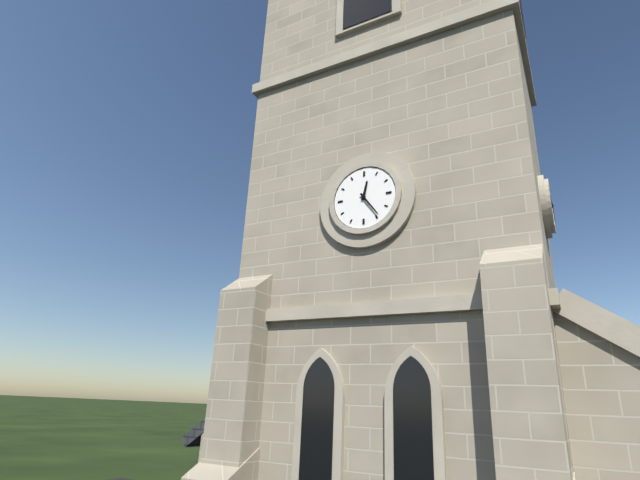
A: 12:24
